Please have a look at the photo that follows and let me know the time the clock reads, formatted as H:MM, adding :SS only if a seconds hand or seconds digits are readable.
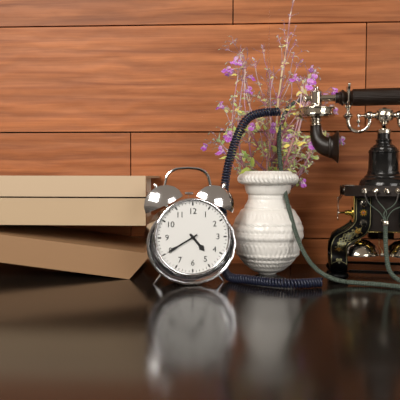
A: 4:40
